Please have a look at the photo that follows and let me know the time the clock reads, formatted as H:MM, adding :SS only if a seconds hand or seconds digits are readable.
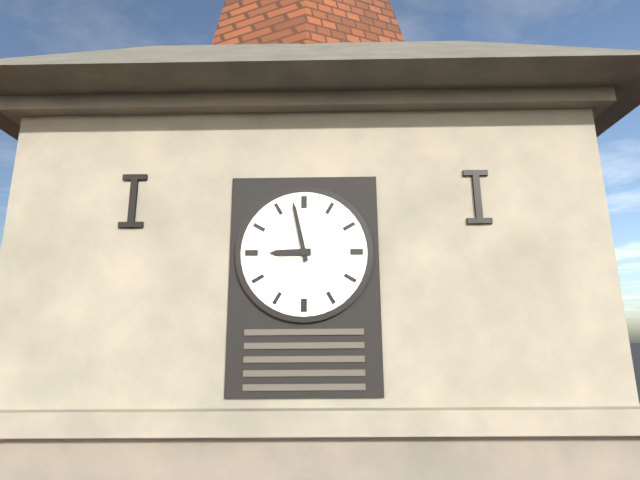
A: 8:58
